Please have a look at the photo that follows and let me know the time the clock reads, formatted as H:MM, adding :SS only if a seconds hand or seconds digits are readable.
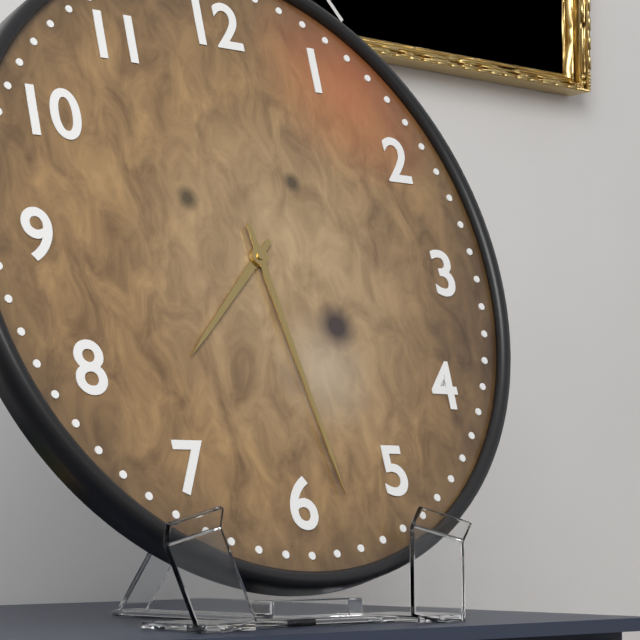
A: 7:28
